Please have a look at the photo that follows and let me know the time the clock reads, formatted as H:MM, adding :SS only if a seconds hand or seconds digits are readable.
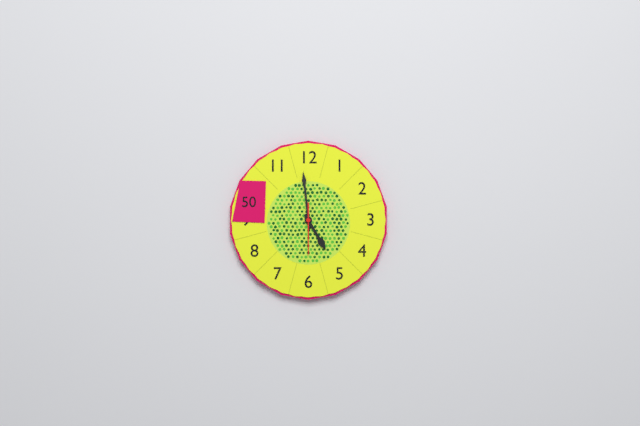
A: 4:59
